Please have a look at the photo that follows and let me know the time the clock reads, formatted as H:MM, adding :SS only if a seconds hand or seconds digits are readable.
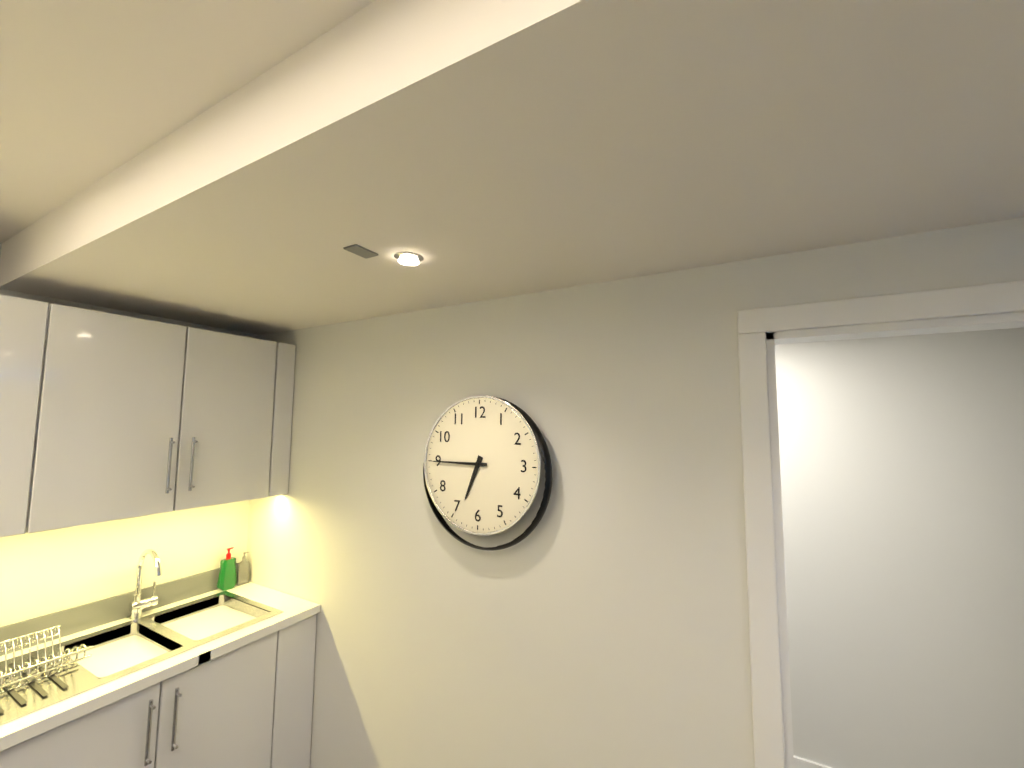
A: 6:45
